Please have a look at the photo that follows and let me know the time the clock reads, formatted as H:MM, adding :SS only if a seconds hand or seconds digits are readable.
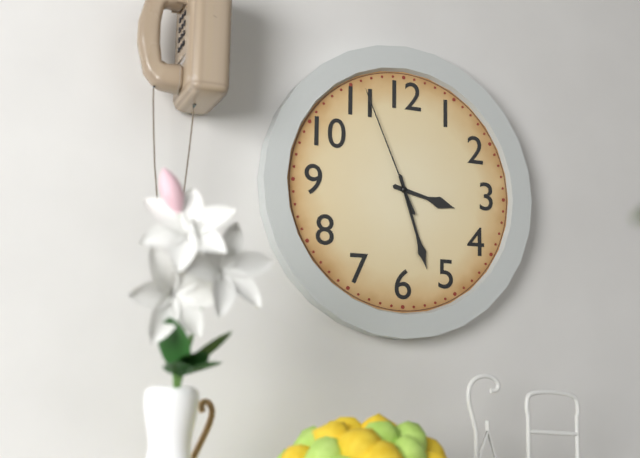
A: 3:27:56
